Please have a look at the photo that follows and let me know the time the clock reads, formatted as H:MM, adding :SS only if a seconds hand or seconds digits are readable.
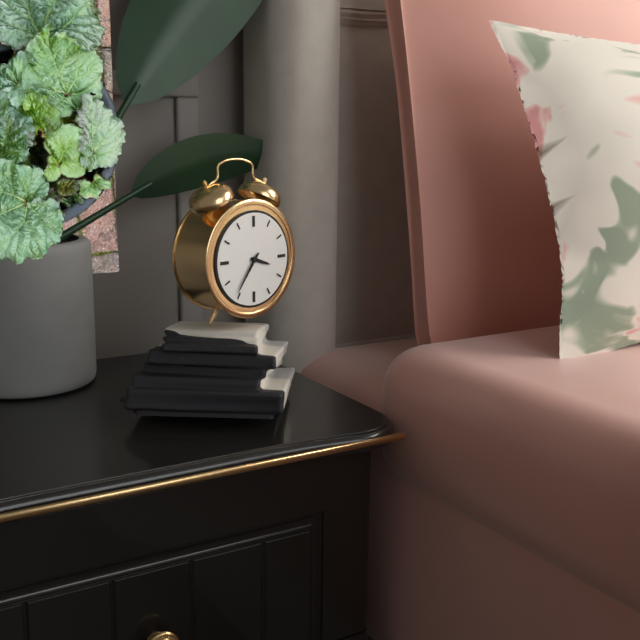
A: 3:36
